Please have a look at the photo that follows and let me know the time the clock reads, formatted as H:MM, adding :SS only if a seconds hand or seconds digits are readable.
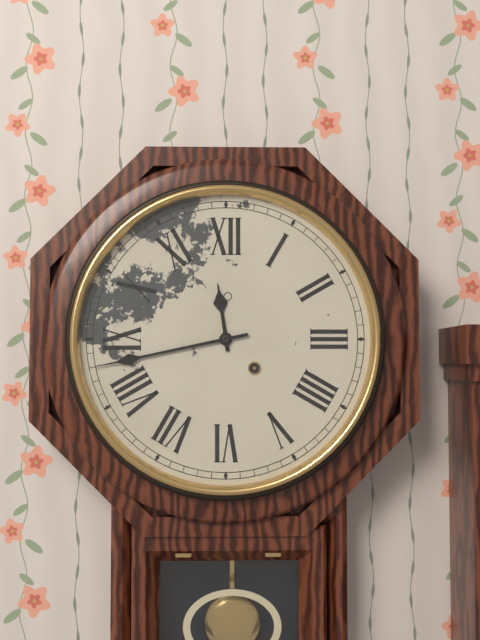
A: 11:43
